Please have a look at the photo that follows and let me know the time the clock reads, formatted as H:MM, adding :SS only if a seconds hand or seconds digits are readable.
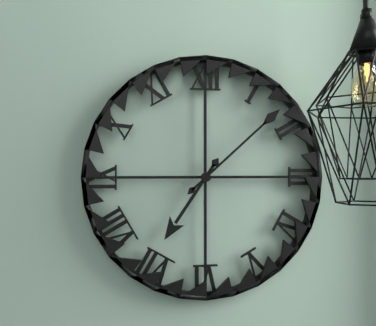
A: 7:08
